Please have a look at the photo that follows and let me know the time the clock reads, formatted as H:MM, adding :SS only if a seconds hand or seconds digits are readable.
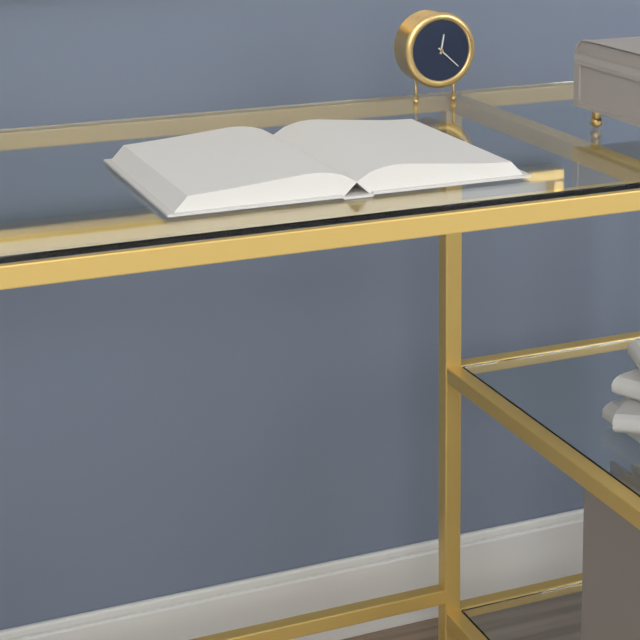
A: 12:22
